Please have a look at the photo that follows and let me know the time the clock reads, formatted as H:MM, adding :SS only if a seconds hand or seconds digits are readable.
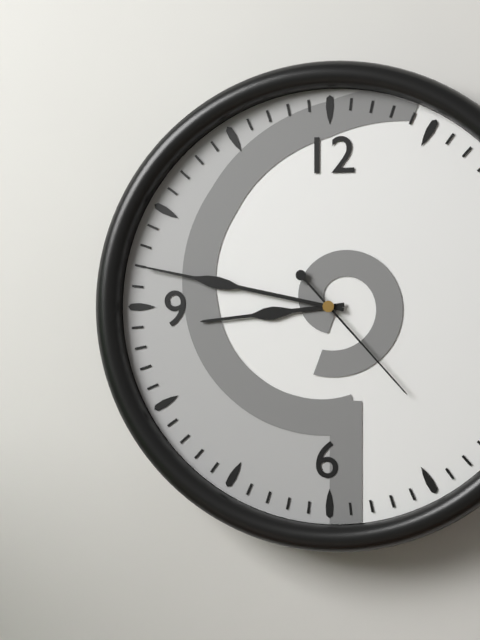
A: 8:47:23
